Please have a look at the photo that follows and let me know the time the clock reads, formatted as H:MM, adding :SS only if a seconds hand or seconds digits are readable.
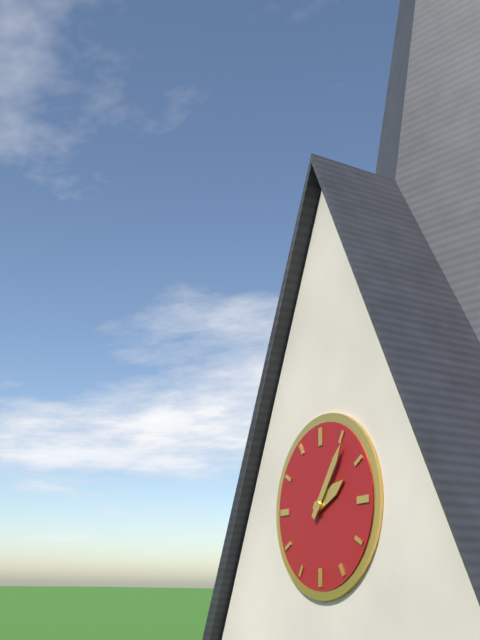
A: 2:06
